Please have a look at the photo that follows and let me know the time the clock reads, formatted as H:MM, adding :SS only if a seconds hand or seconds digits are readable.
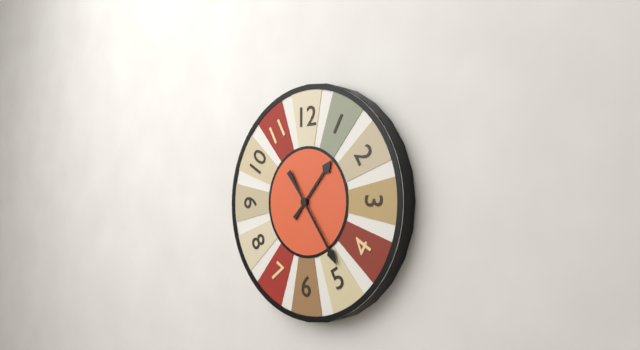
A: 1:24
